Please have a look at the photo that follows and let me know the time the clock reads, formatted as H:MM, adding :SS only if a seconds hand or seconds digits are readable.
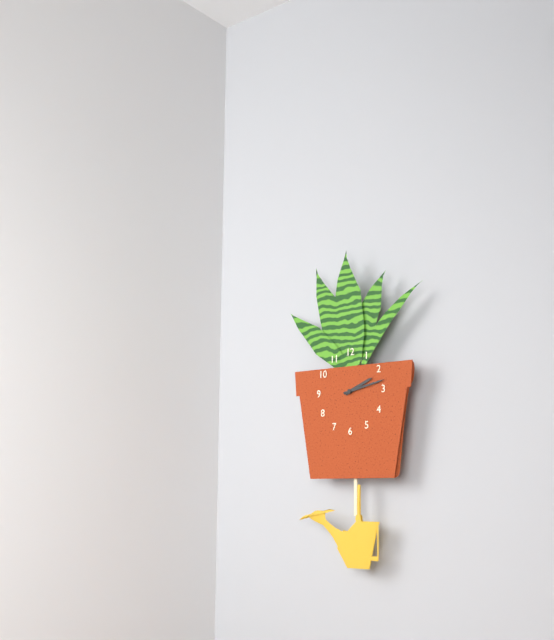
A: 2:13
